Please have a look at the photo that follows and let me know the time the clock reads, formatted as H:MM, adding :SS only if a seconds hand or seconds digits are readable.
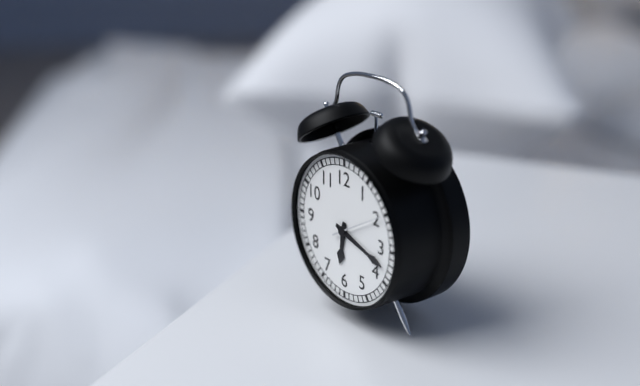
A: 6:18:10
